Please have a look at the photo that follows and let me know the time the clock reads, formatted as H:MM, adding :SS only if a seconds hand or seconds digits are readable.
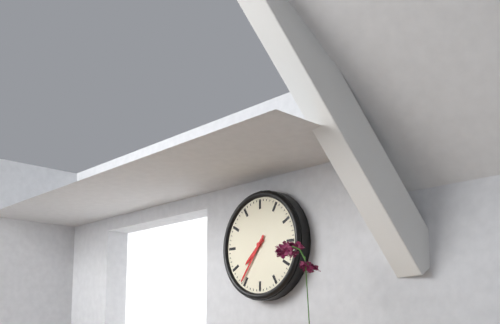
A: 7:36
